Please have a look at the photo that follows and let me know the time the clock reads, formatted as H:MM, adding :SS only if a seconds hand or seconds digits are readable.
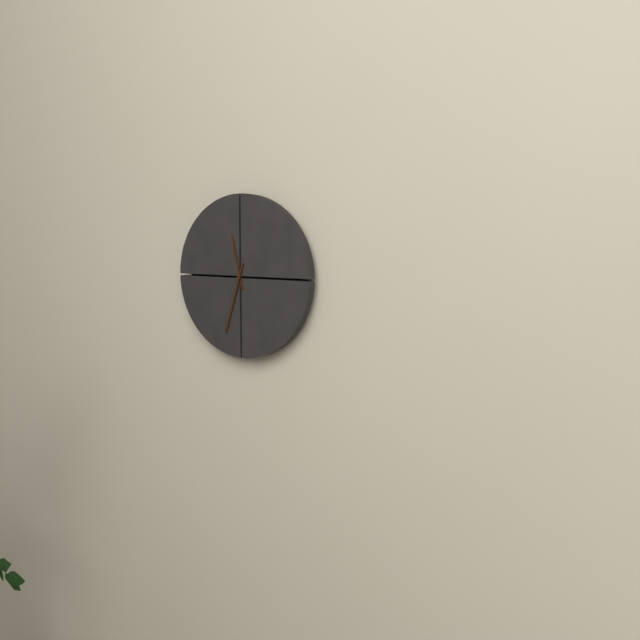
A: 11:33
